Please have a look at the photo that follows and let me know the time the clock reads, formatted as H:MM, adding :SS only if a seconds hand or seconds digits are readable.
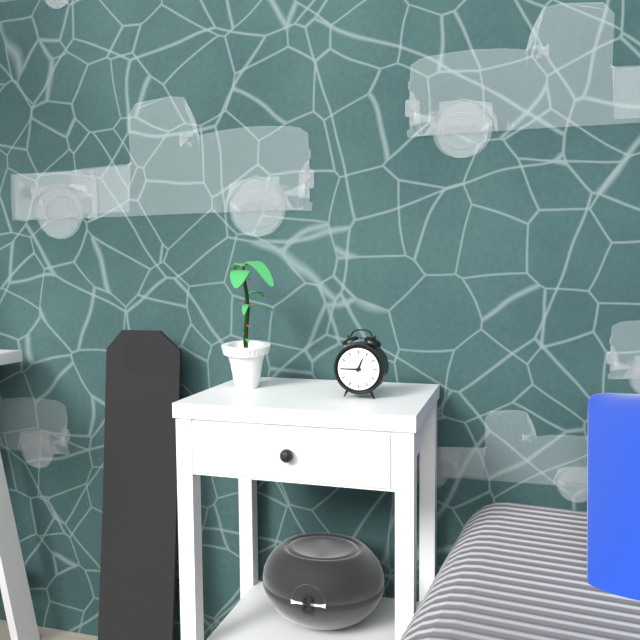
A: 12:45
